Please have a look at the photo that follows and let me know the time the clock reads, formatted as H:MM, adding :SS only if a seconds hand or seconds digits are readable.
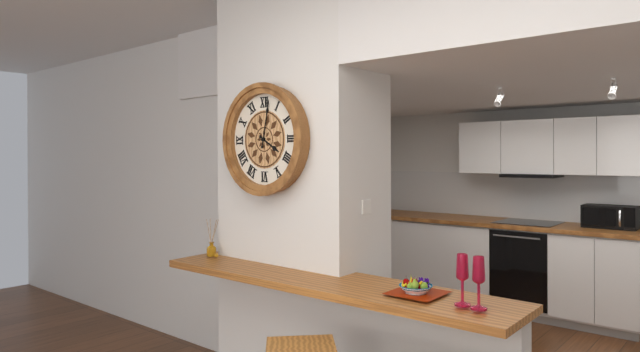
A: 4:02
